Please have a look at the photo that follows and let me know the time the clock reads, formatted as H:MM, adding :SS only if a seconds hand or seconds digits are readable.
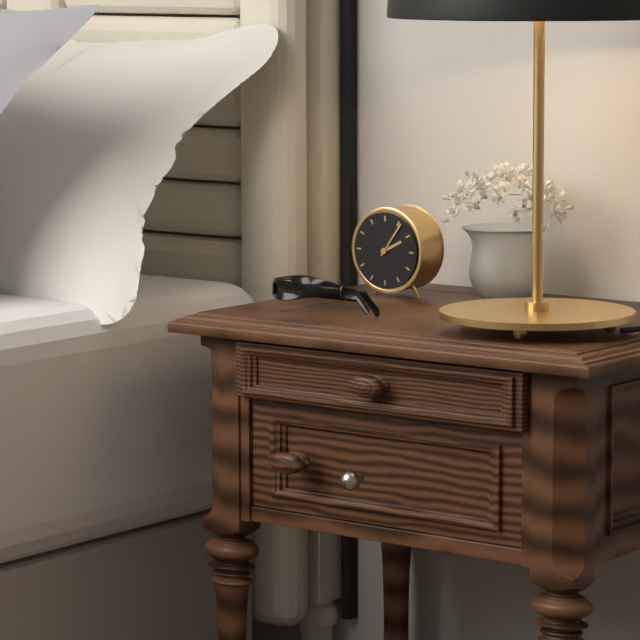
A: 2:06
